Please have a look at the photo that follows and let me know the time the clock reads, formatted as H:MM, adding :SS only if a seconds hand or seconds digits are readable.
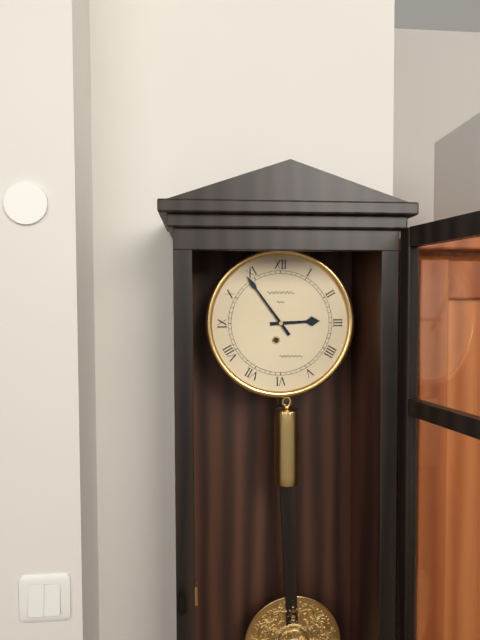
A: 2:54
